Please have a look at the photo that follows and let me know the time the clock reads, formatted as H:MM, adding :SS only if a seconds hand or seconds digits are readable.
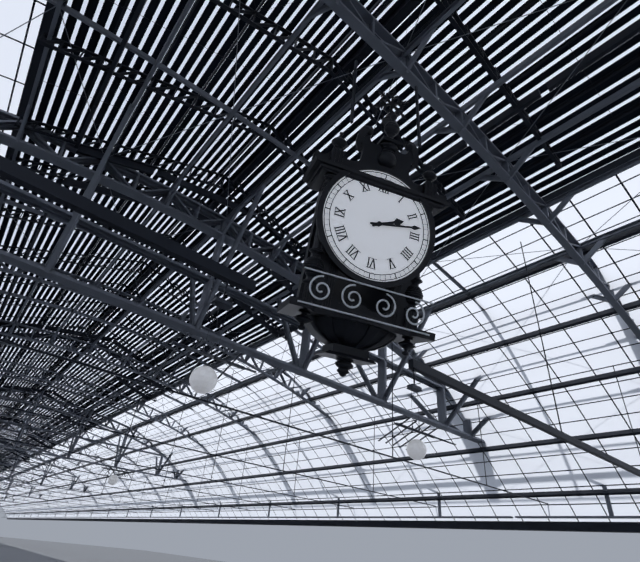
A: 2:13
